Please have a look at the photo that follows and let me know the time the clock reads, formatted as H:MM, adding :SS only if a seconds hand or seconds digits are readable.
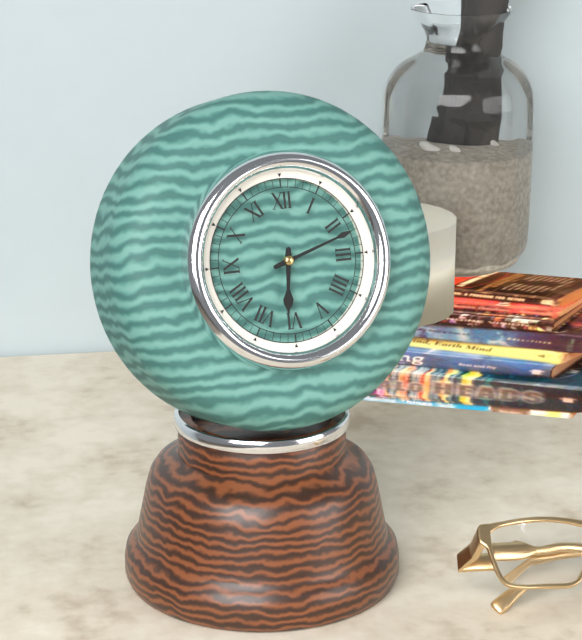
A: 6:12
